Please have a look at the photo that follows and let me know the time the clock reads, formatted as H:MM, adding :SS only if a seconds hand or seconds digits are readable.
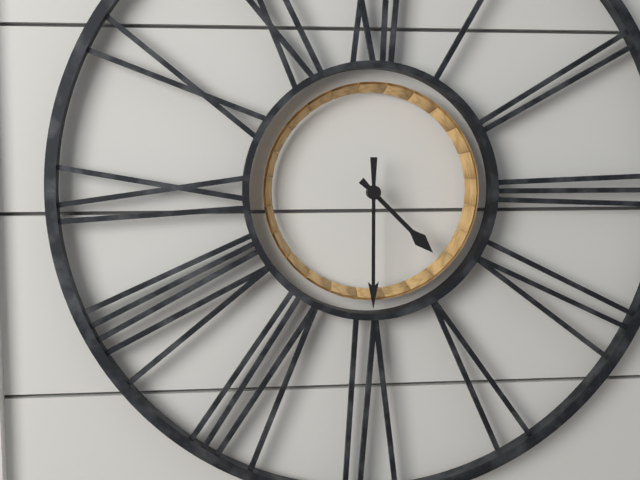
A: 4:30
